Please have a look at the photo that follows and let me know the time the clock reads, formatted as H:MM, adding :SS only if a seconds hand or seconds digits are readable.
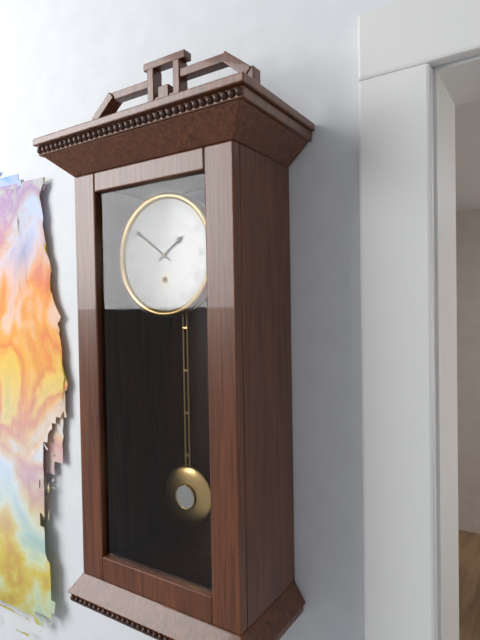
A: 1:51
